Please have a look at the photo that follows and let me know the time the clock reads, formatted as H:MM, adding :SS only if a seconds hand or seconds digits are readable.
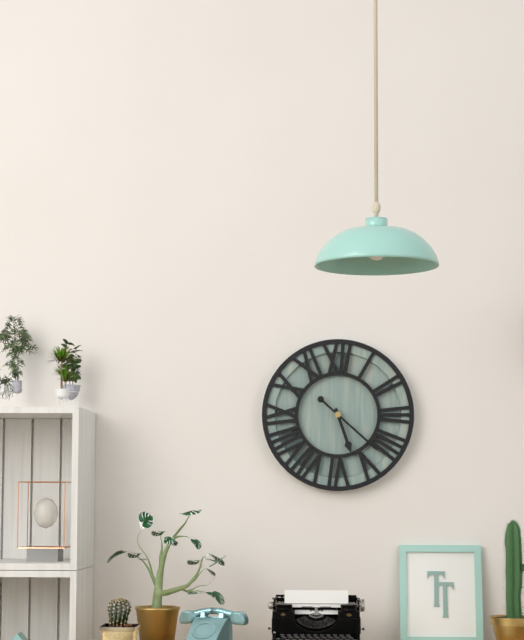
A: 5:22
